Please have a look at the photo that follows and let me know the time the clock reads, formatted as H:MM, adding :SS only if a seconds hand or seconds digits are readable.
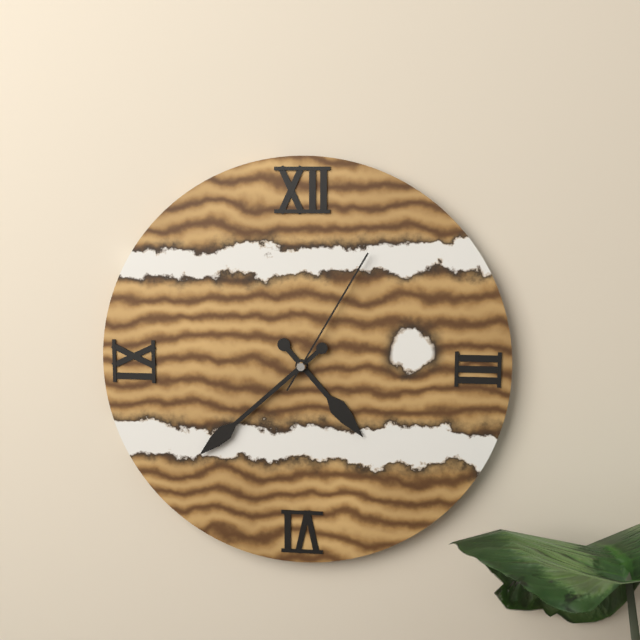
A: 4:38:05
